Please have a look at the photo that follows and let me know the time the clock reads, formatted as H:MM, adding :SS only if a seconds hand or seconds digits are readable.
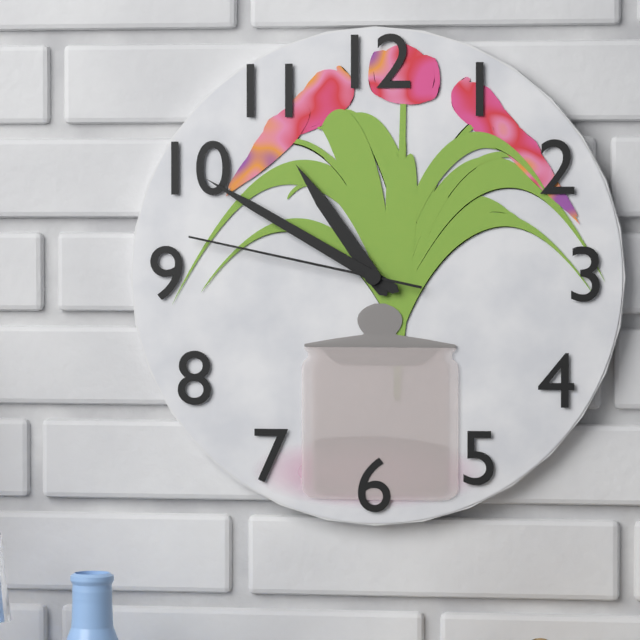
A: 10:50:47
